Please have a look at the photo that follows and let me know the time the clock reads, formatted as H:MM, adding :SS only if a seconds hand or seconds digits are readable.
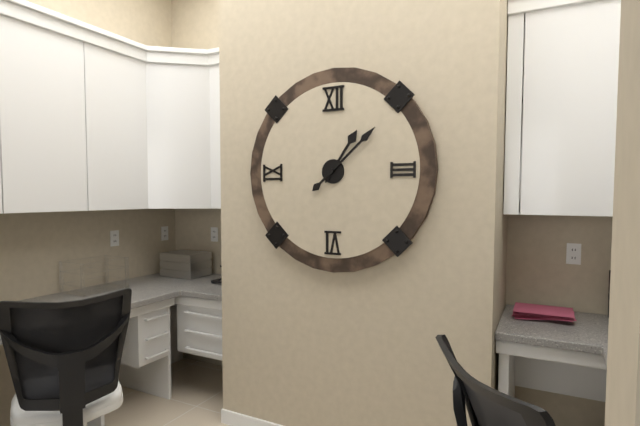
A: 1:08
